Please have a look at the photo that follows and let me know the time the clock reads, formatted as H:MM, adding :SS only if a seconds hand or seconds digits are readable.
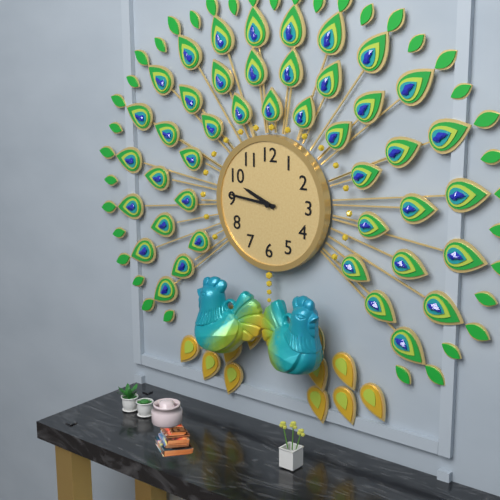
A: 9:46
